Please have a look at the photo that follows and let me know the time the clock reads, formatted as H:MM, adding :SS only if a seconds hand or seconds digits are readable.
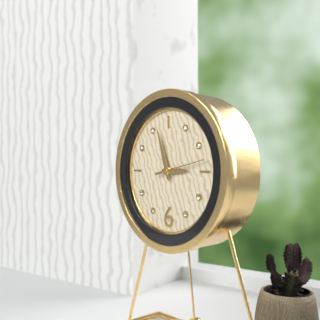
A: 2:57
